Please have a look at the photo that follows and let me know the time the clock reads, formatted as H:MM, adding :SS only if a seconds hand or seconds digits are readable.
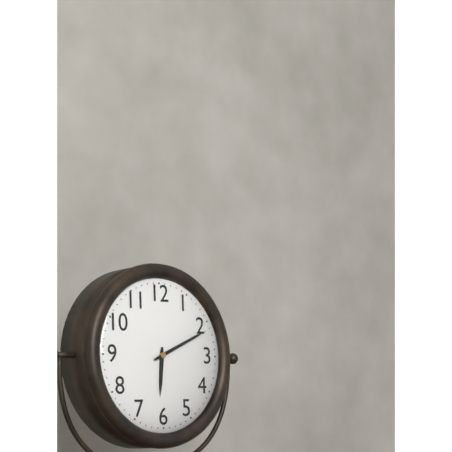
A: 6:11
